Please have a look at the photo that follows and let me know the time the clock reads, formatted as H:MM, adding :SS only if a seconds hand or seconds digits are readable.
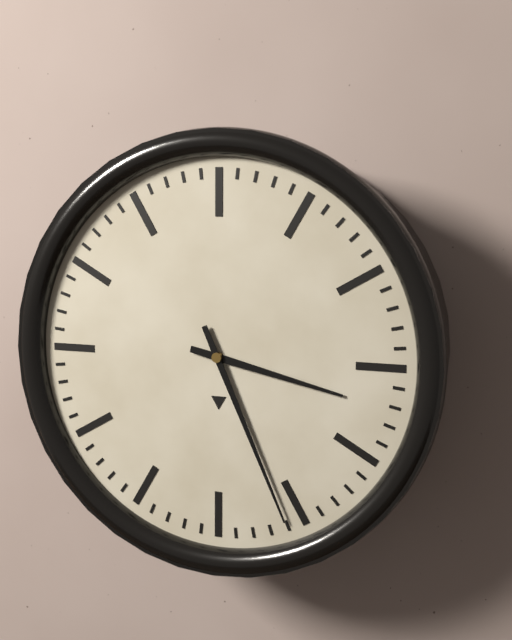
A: 3:26
